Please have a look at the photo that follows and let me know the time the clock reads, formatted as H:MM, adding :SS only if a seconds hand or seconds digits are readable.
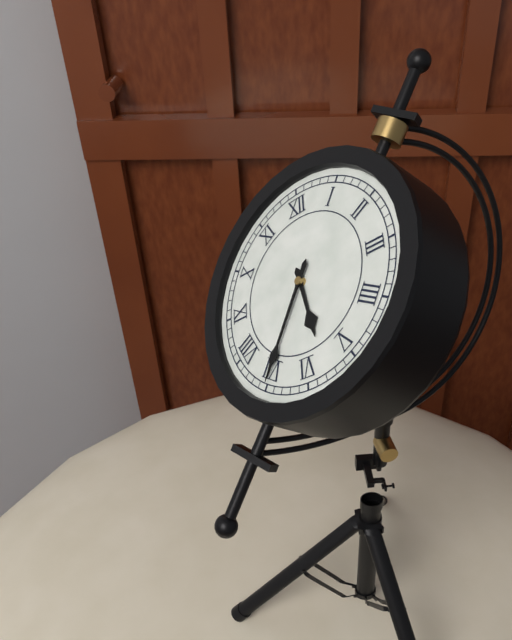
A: 5:35
